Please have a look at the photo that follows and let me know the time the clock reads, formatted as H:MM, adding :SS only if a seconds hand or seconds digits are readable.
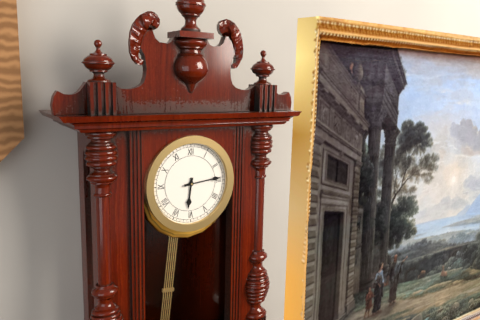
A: 6:14
